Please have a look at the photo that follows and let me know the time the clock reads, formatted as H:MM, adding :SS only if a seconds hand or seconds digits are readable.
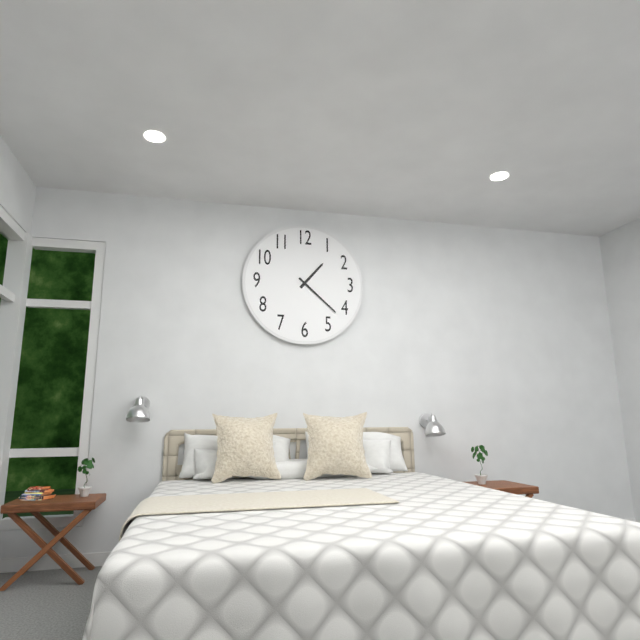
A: 1:22
